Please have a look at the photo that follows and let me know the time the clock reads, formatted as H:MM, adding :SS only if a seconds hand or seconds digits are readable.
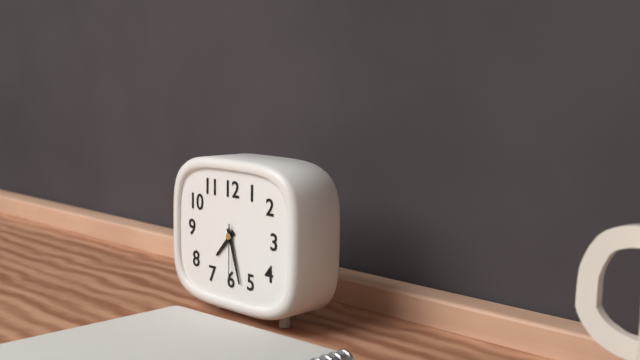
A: 7:27:30
